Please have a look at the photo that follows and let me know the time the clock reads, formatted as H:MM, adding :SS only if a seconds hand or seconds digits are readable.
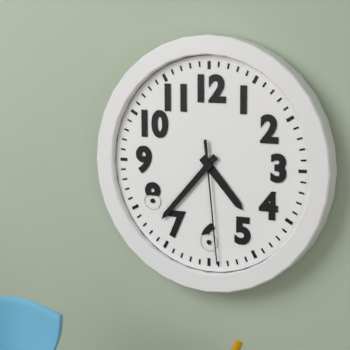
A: 4:37:29
